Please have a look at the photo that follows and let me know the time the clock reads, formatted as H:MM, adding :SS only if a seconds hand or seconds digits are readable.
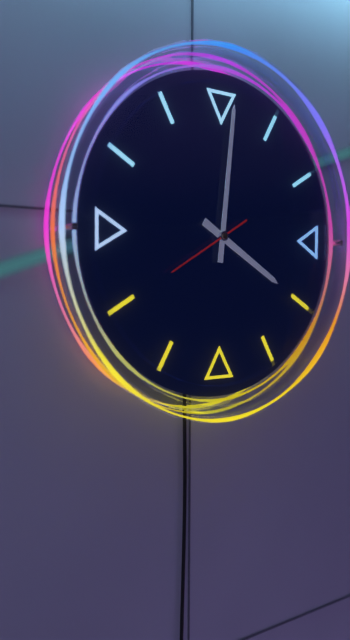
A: 4:01:40
